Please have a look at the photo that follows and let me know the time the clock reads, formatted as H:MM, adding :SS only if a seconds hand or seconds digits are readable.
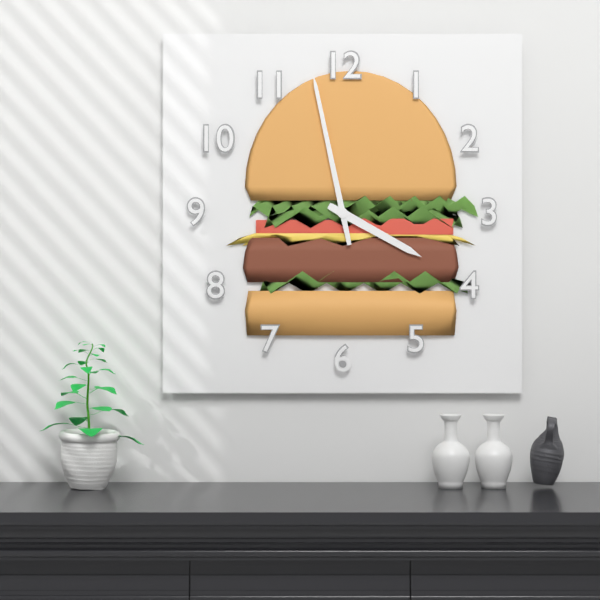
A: 3:58
